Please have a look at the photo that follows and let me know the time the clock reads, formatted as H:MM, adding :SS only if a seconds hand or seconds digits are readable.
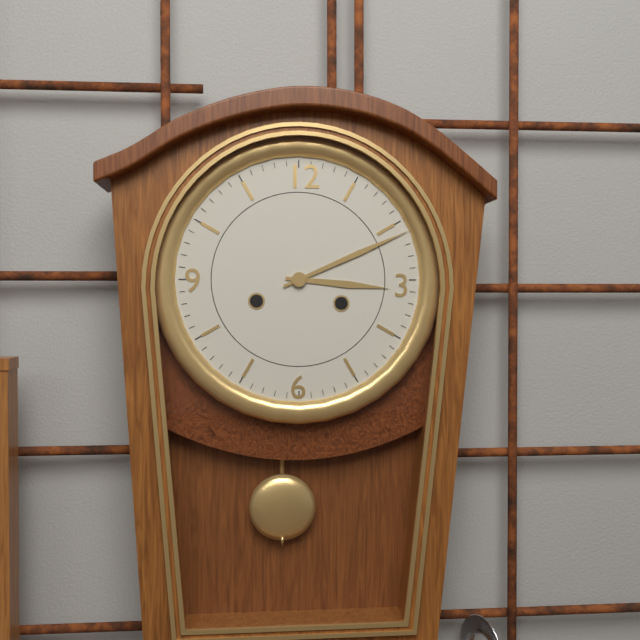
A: 3:11
